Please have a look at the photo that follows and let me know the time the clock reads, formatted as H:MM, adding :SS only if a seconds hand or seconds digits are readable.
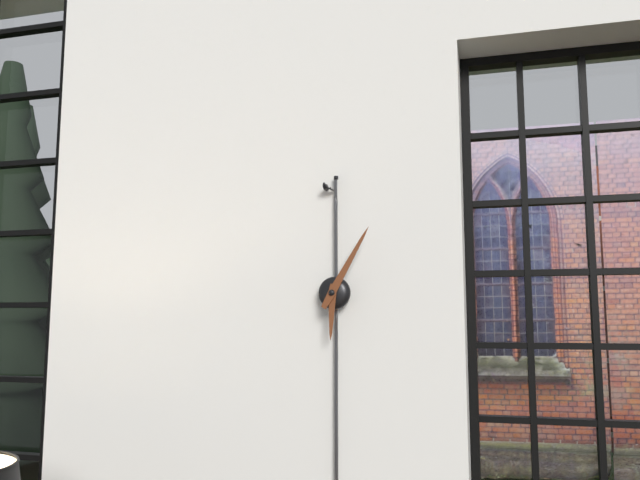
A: 6:05
